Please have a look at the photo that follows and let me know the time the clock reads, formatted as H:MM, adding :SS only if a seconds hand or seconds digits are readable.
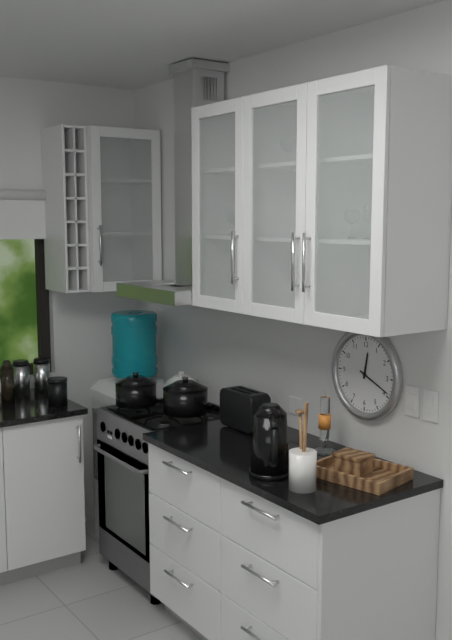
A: 12:19
